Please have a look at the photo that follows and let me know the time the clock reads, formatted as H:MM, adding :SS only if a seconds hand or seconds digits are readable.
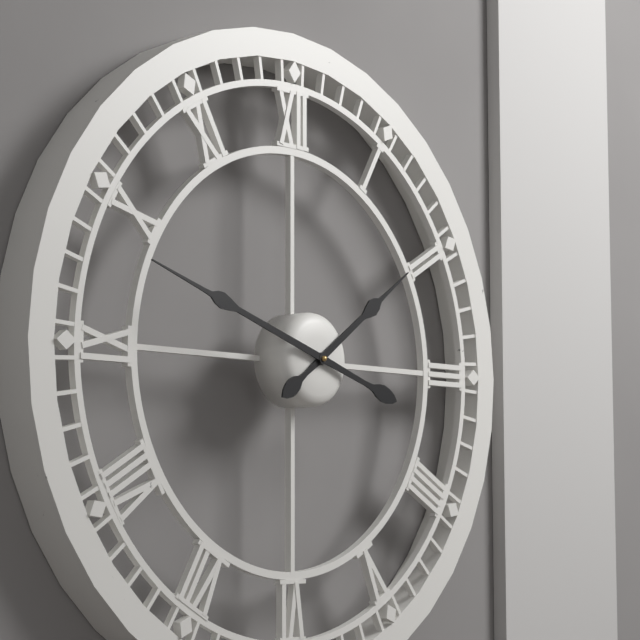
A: 1:48
